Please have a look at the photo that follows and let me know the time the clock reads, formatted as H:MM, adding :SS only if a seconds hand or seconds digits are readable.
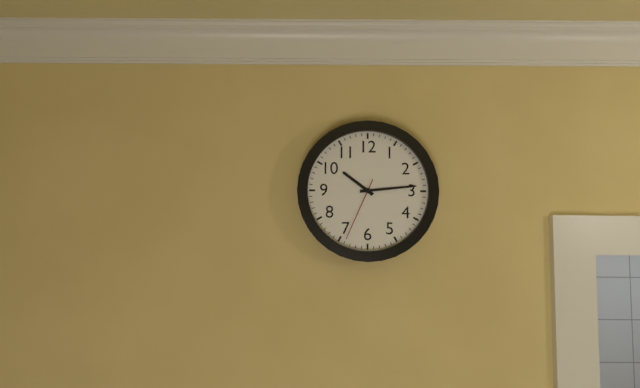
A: 10:14:34
